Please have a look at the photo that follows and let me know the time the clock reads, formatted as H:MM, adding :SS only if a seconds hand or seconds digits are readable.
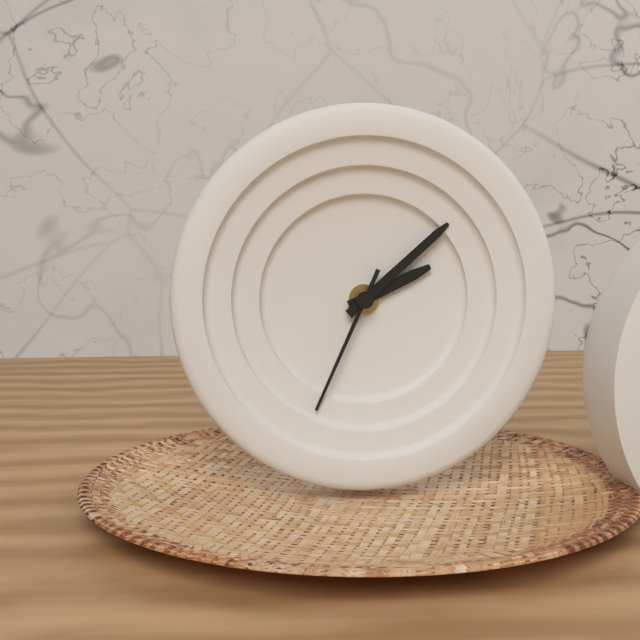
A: 2:08:34
